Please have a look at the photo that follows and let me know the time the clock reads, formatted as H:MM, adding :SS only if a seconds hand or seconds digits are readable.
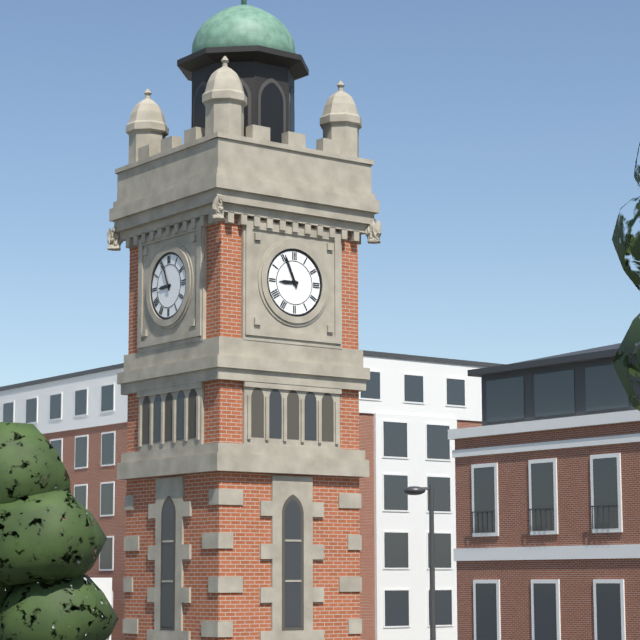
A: 8:56
